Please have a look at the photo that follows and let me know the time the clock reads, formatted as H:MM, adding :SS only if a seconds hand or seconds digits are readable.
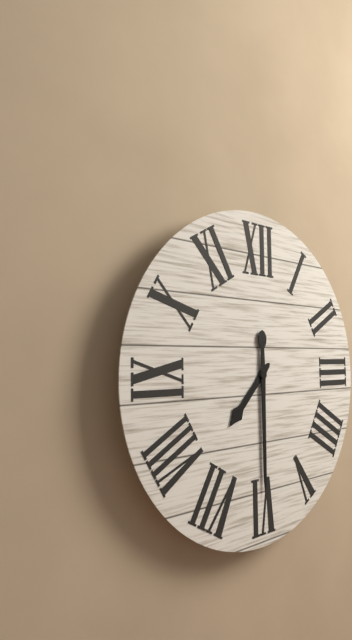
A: 7:30
